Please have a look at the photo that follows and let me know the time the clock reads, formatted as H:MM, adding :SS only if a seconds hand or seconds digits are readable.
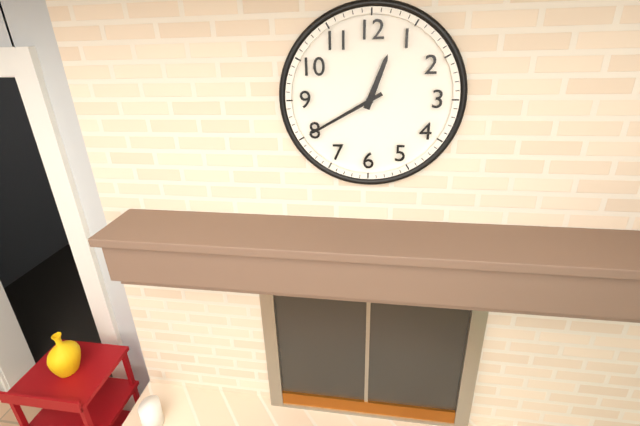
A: 12:40
